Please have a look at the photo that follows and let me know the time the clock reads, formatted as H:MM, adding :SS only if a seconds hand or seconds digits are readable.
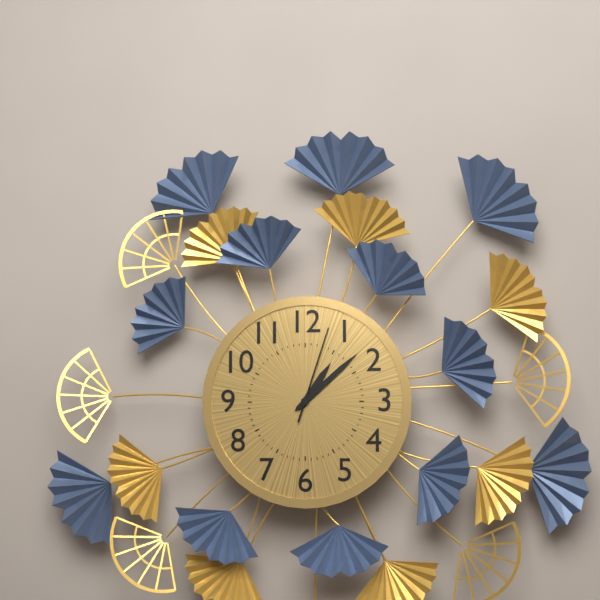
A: 1:08:03
